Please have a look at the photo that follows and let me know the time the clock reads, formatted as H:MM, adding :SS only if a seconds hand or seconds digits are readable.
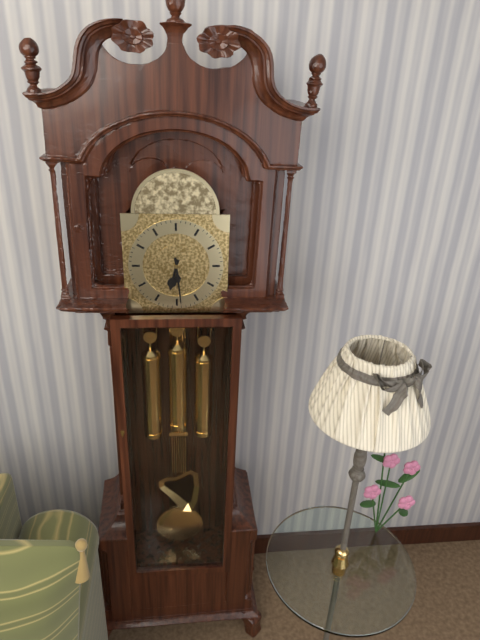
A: 6:29
